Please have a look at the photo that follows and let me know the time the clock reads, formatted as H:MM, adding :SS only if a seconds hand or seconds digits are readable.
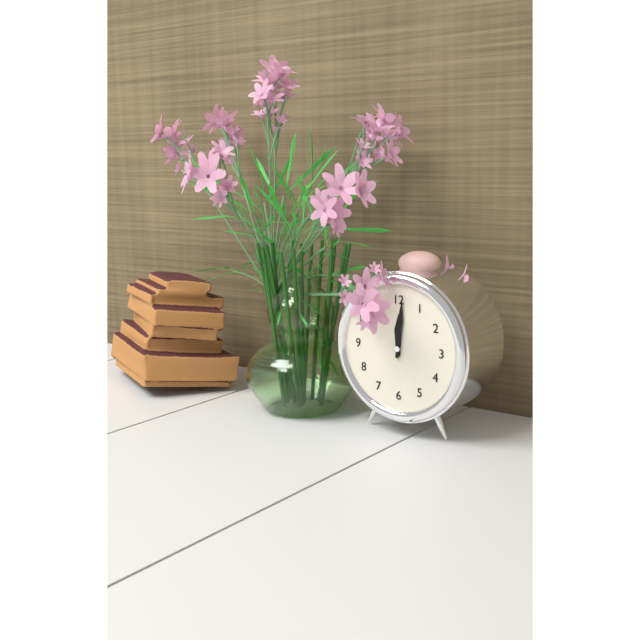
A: 12:01
